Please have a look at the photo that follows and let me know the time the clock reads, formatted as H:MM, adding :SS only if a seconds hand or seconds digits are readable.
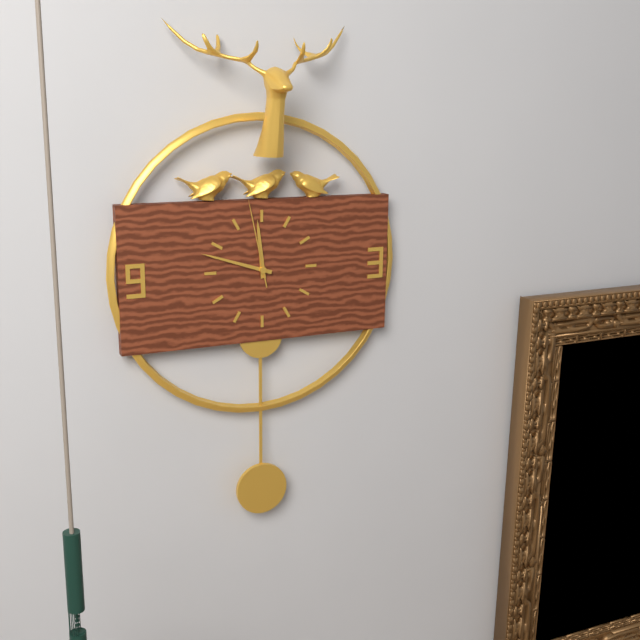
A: 11:48:58
